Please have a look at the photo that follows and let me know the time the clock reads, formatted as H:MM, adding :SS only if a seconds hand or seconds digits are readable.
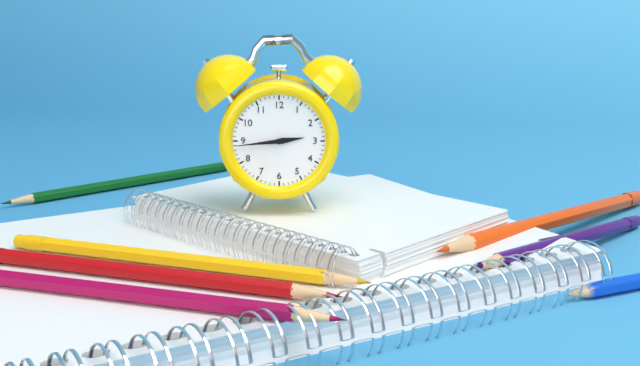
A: 2:44:44
